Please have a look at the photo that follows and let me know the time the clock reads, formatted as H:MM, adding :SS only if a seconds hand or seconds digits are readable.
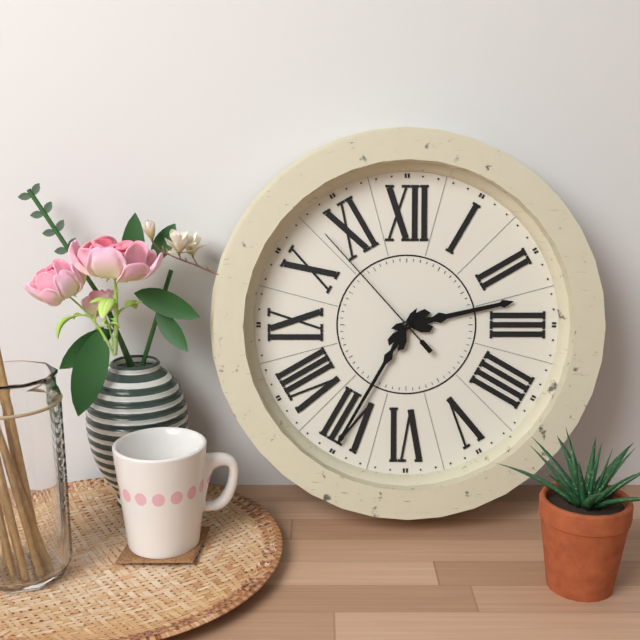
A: 2:35:53
